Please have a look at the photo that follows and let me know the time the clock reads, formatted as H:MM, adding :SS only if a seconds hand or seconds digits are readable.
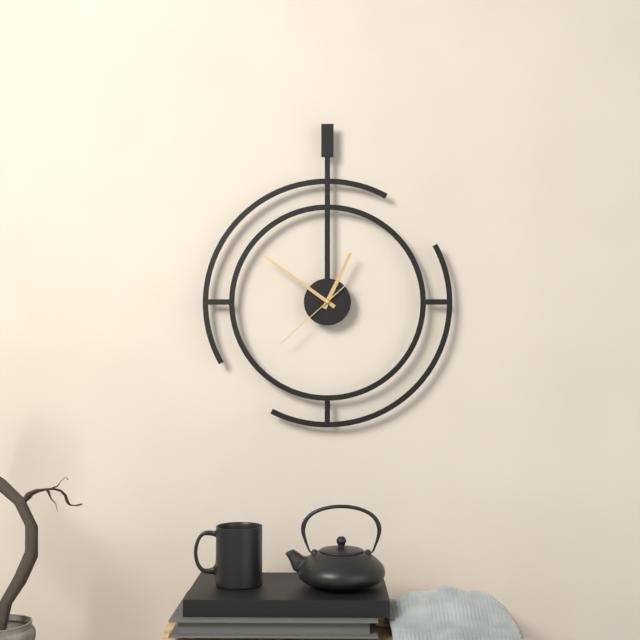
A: 12:51:38
